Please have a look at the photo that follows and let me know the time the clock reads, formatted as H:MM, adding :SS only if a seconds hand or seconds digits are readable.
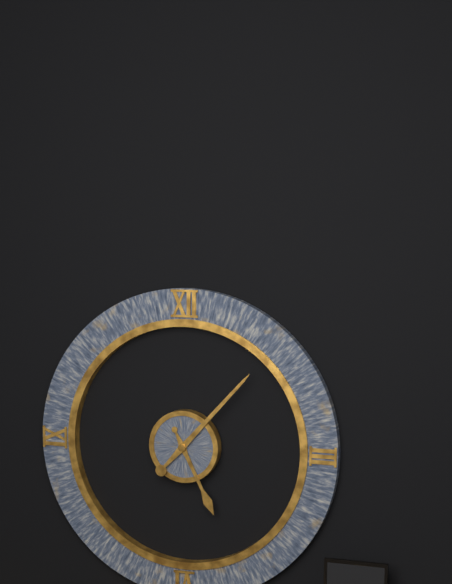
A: 5:07
